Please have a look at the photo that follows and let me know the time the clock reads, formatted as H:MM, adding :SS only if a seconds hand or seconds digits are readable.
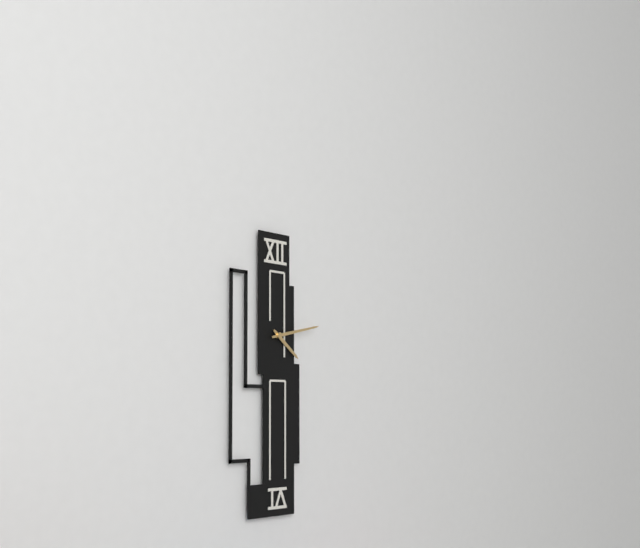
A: 4:13
